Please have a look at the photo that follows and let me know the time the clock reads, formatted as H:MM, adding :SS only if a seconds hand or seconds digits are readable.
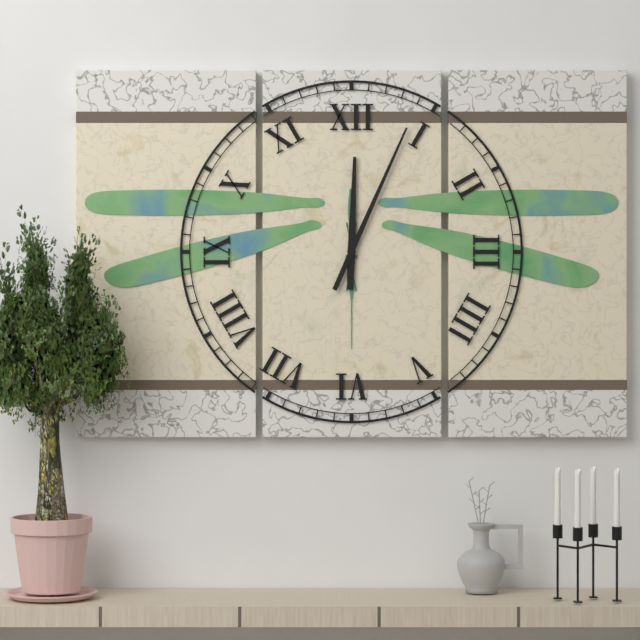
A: 12:04
